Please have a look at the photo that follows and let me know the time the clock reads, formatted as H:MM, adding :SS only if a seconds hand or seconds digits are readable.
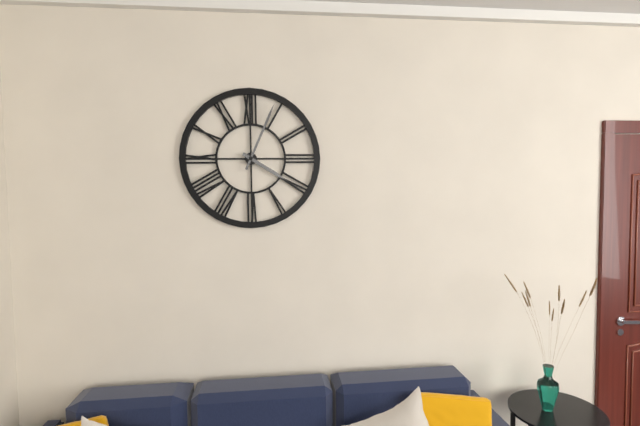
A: 4:04
